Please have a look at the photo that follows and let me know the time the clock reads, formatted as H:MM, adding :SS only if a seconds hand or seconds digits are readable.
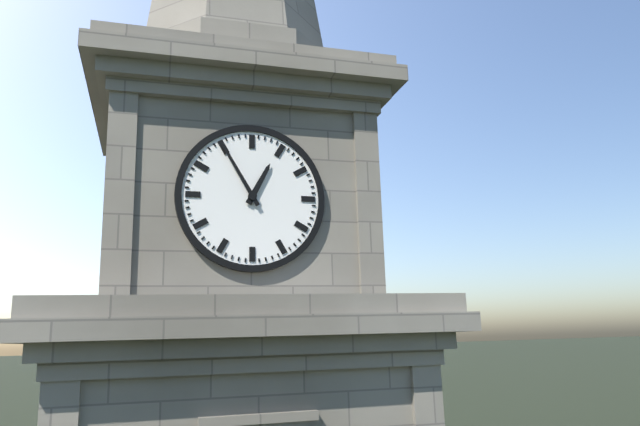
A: 12:55
